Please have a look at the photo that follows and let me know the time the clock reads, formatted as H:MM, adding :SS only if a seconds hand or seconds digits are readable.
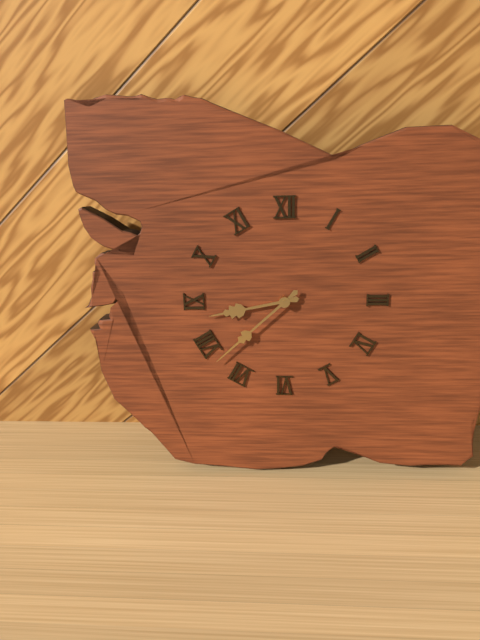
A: 8:38
